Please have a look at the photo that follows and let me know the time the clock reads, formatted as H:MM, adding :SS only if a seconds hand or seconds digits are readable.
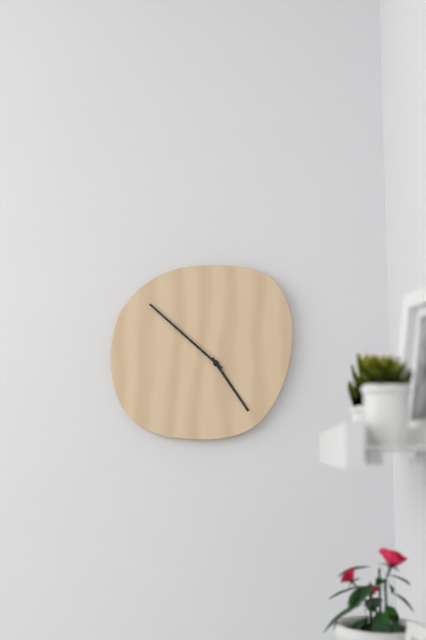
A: 4:52
